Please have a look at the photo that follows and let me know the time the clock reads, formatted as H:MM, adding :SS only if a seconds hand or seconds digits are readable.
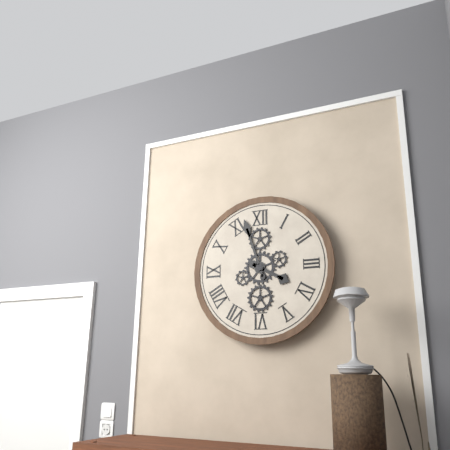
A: 3:57
